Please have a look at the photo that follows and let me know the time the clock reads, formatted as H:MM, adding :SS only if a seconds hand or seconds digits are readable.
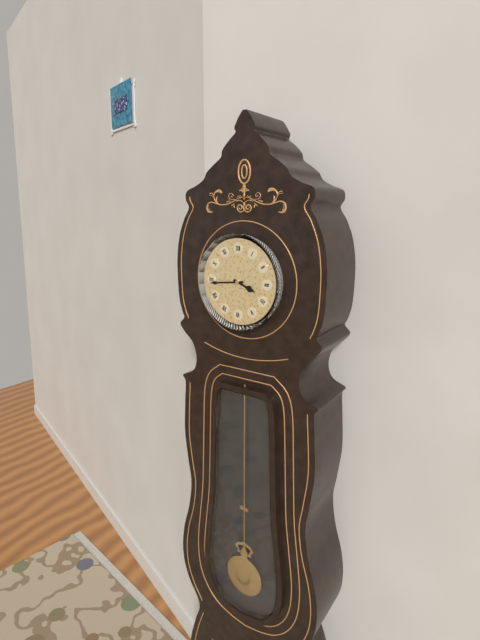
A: 3:44
